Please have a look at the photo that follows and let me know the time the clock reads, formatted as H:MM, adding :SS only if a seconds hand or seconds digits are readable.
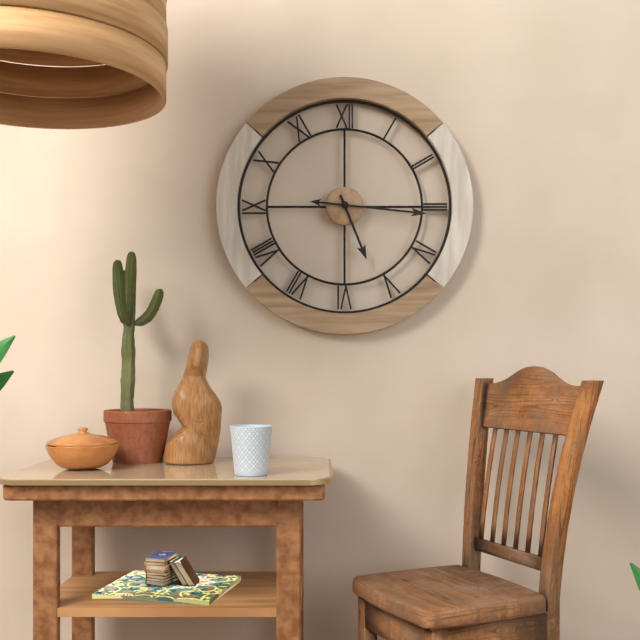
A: 5:16
